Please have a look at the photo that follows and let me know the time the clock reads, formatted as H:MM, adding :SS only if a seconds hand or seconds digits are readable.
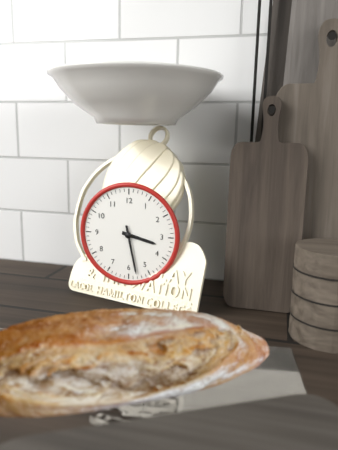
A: 3:28
